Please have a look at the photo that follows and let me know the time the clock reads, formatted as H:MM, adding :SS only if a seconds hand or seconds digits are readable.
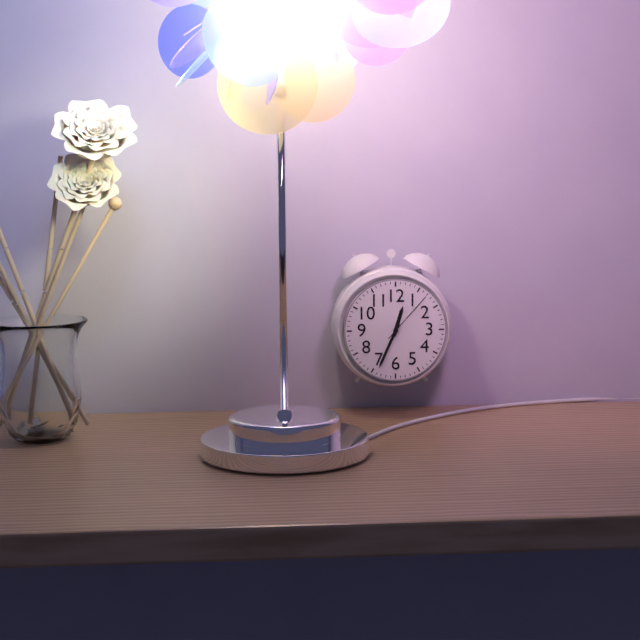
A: 12:34:07
